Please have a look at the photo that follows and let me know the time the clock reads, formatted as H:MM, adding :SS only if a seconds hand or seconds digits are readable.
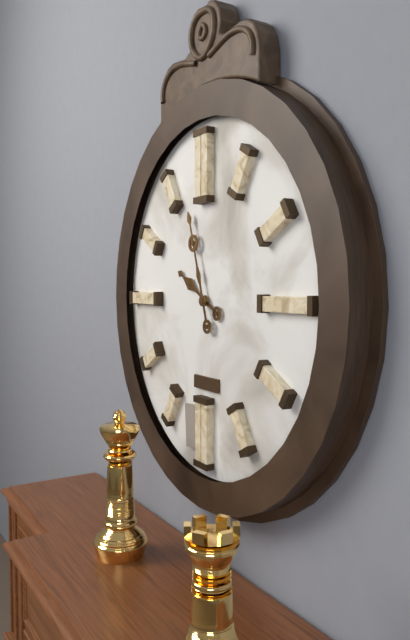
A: 9:57
